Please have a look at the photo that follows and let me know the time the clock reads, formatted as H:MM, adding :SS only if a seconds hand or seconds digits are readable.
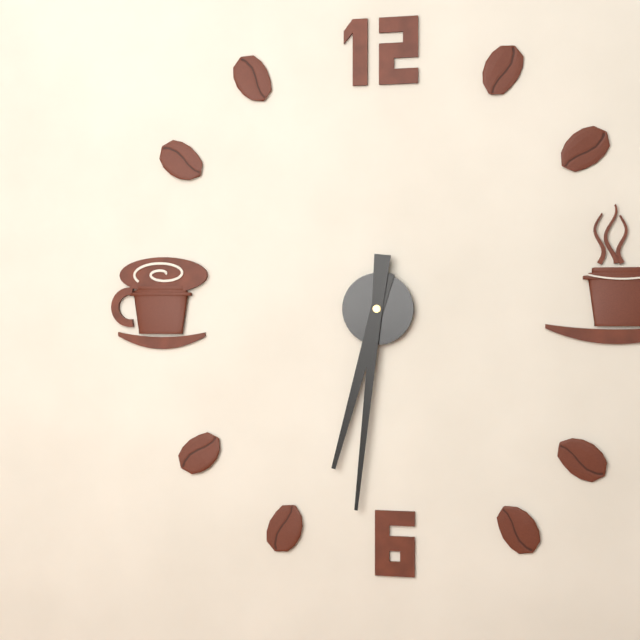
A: 6:31
